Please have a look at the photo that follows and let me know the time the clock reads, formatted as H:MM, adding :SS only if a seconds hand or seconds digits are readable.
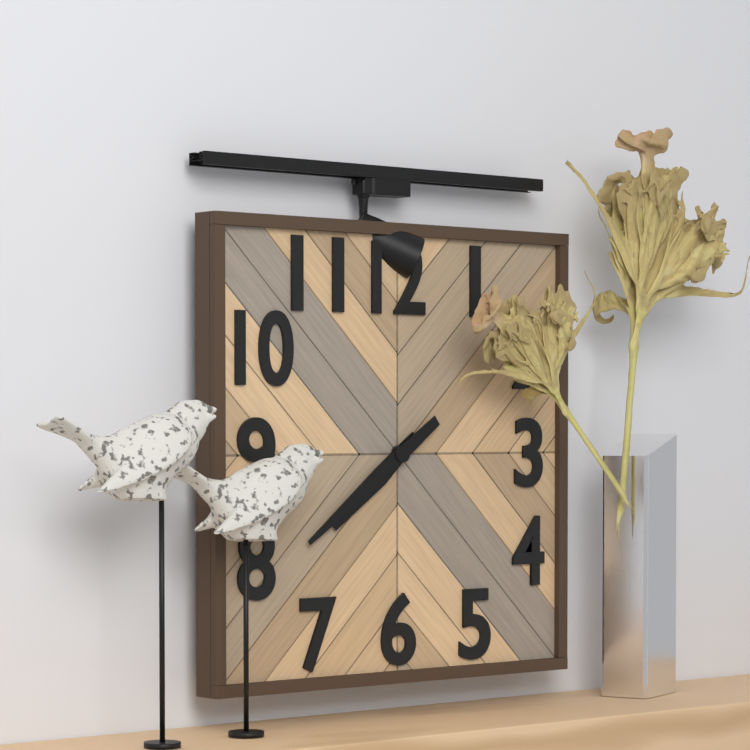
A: 7:39
